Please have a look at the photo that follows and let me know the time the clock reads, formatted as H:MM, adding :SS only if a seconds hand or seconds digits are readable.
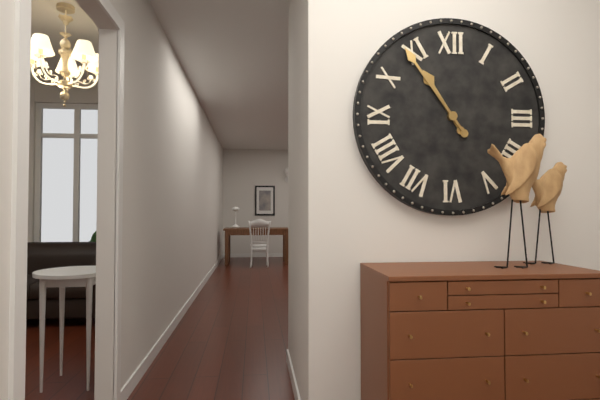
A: 10:54
